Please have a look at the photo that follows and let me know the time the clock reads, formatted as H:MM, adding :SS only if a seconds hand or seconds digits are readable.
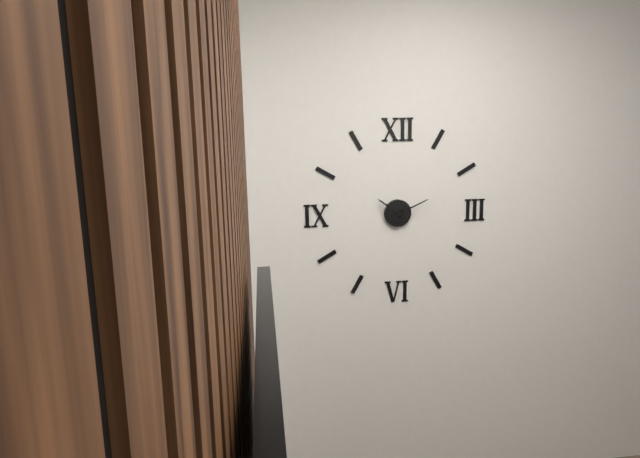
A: 10:11
